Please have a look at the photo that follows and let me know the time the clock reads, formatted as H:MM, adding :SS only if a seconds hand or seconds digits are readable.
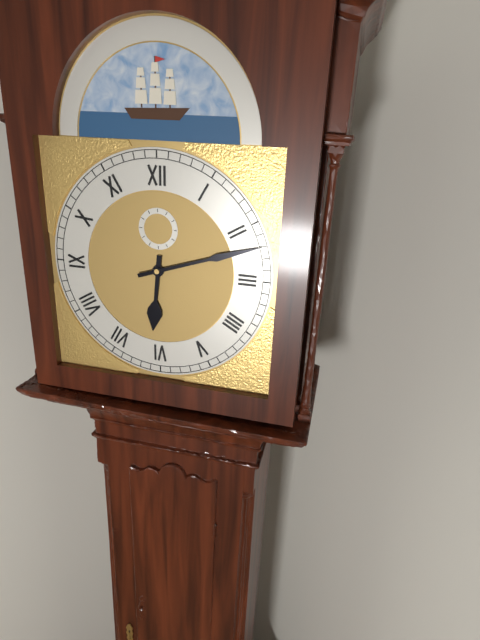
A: 6:12
